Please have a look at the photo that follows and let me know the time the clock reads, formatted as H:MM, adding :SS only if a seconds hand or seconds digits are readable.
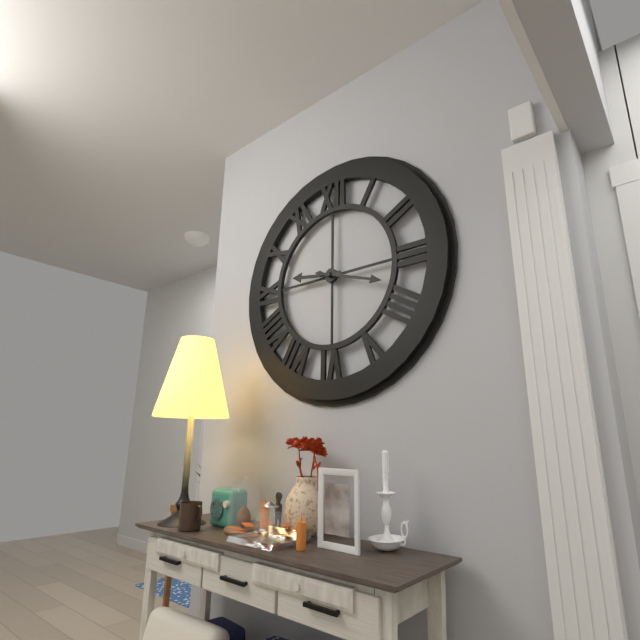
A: 9:18
